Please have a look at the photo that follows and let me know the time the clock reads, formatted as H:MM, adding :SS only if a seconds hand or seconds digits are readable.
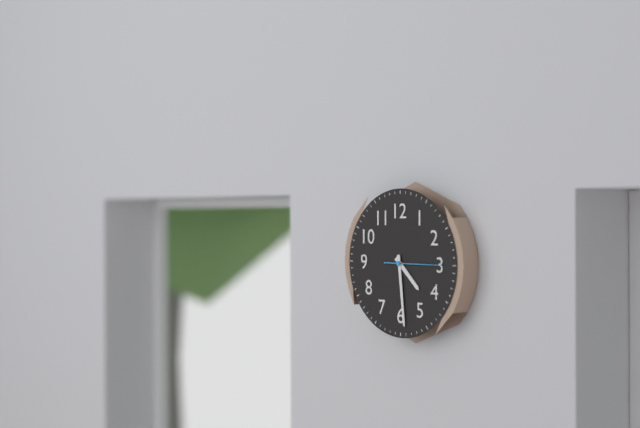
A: 4:29:15
